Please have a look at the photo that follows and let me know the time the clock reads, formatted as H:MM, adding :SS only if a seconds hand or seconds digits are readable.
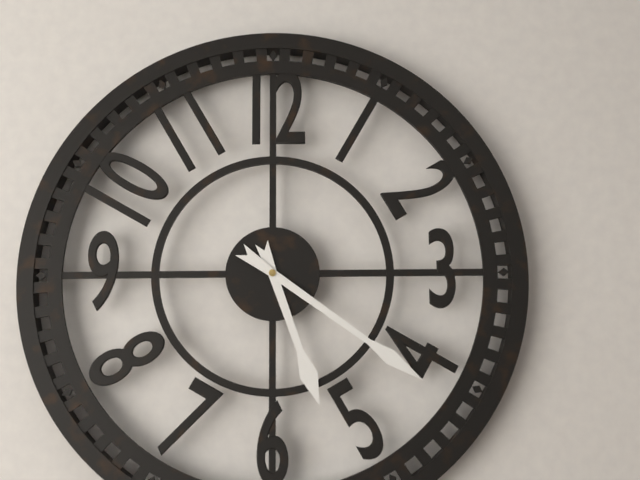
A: 5:21
